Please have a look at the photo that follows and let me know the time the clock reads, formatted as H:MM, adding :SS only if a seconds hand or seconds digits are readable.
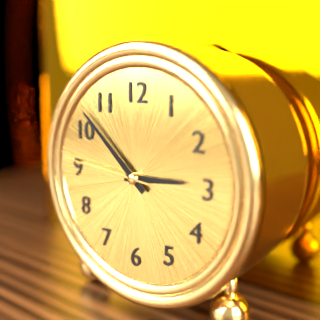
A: 2:52:46
